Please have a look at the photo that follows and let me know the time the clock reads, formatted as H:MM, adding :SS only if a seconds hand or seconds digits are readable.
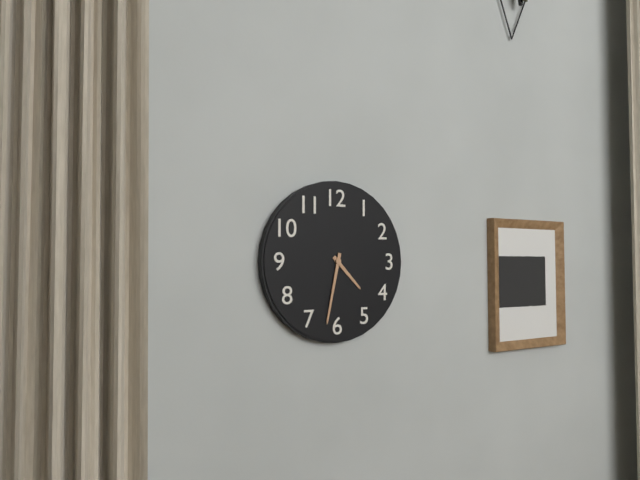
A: 4:32
